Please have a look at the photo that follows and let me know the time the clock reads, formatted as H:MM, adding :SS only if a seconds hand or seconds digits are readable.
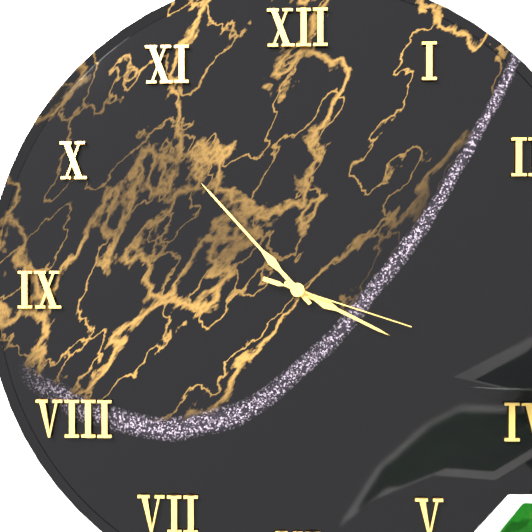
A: 3:53:18
